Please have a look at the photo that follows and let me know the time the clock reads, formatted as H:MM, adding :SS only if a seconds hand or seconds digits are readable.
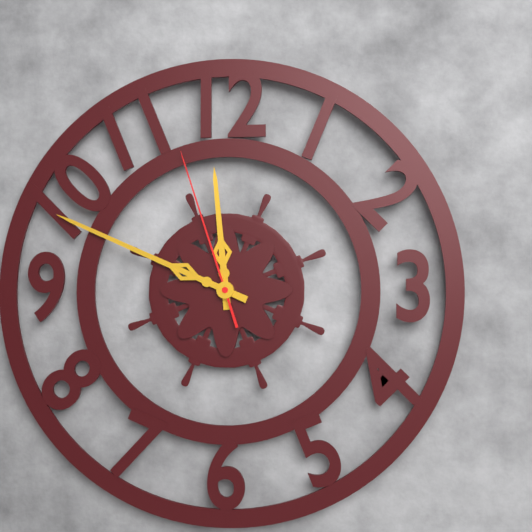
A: 11:49:57
